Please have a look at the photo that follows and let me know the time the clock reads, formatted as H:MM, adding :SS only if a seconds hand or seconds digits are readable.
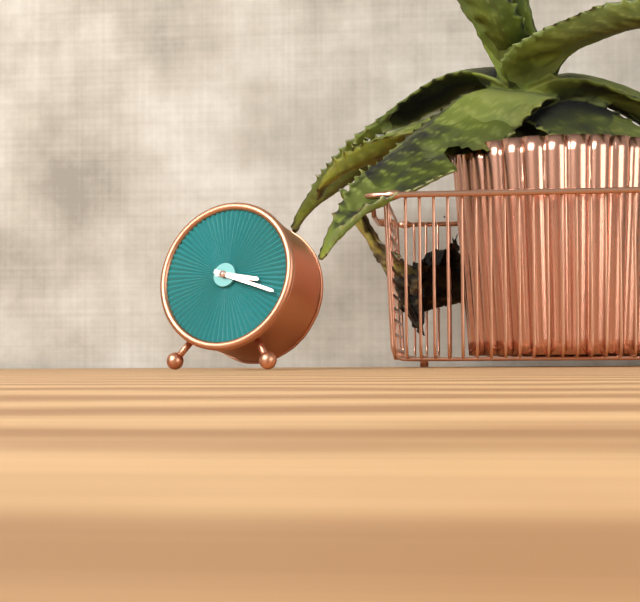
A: 3:18
